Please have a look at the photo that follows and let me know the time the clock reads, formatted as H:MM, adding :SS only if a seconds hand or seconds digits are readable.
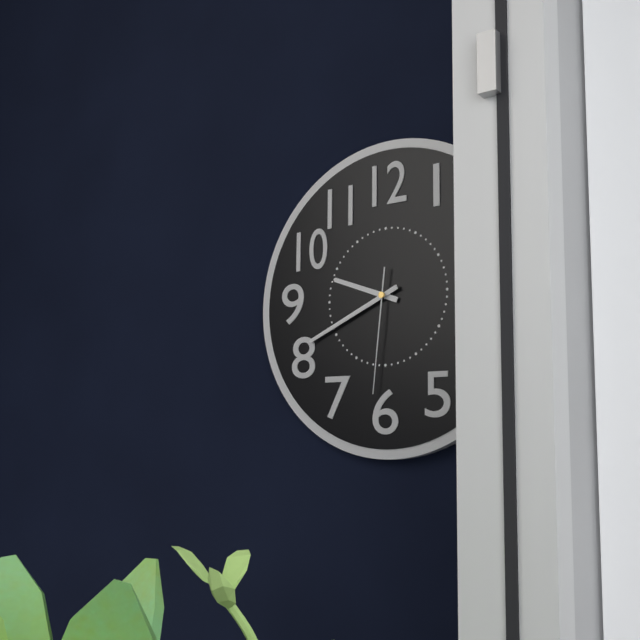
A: 9:41:31
